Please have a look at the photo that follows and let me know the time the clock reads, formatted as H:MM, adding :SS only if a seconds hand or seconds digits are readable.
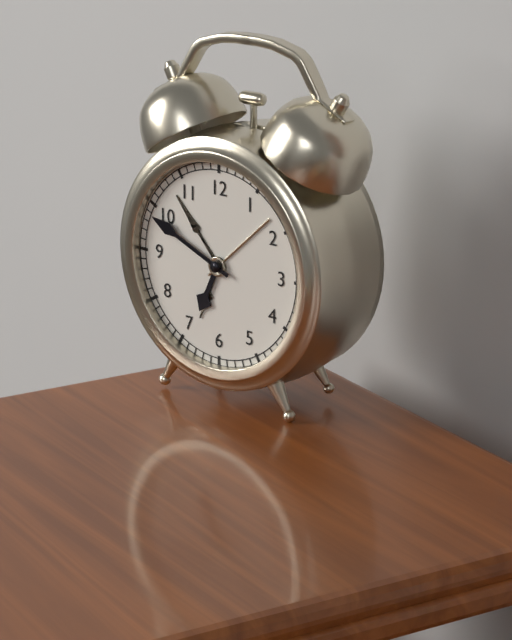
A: 6:49
